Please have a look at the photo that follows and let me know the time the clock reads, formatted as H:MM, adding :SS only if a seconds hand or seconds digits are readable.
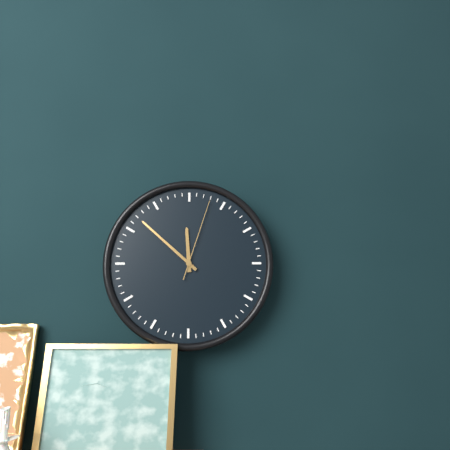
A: 11:52:03
